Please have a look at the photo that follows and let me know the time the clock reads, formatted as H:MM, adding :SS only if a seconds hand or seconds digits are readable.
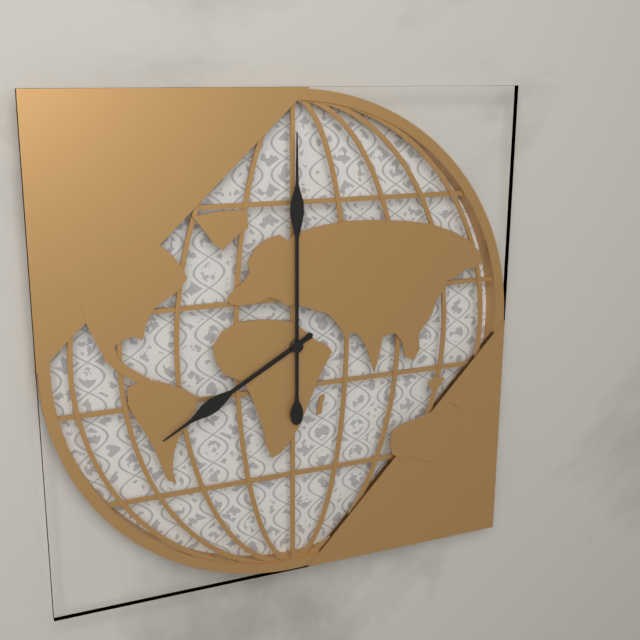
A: 8:00
